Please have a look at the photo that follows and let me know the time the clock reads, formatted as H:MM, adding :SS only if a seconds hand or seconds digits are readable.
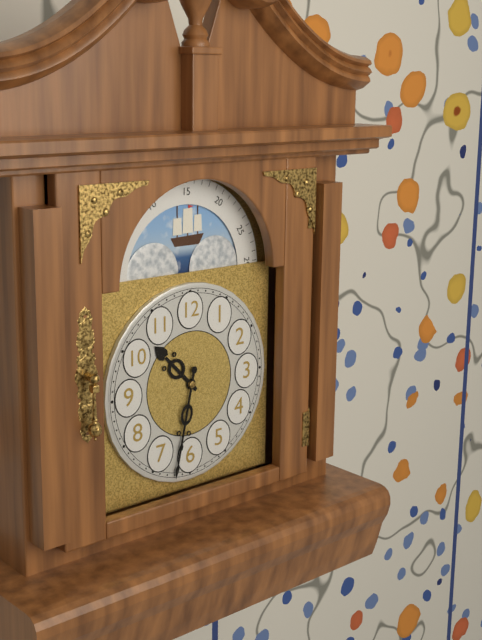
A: 10:32
